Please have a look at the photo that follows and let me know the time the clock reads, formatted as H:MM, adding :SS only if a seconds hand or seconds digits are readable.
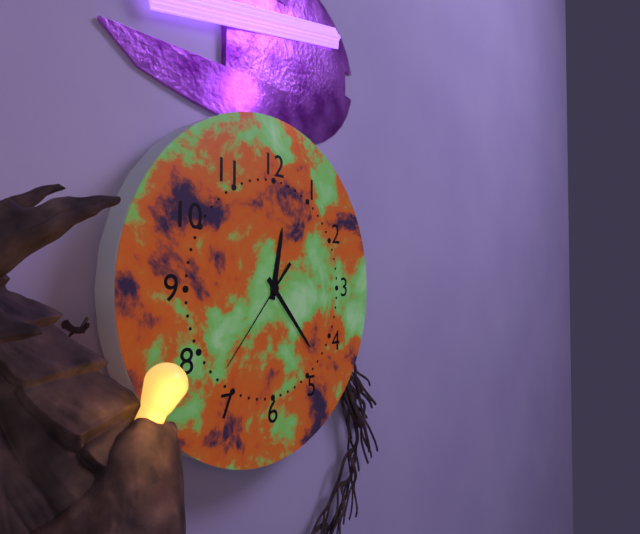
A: 12:23:37
